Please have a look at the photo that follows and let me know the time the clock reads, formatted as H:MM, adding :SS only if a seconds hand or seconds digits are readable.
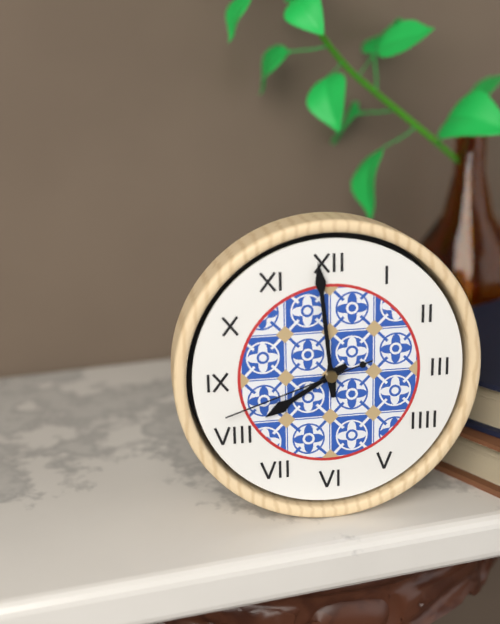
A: 7:59:42
